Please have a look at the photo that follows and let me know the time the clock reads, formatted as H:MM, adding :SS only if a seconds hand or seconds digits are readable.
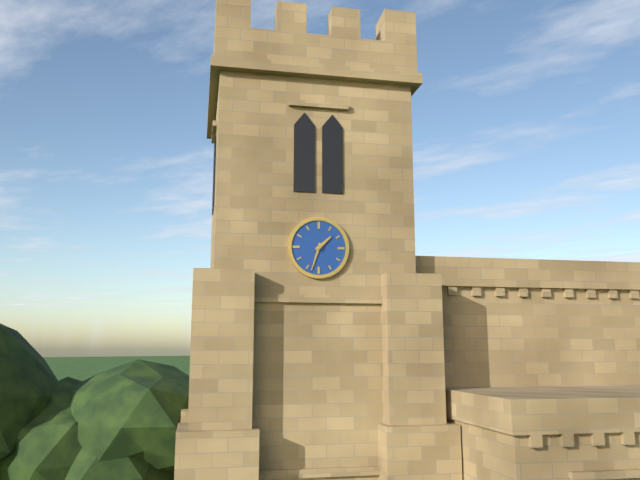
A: 1:33
